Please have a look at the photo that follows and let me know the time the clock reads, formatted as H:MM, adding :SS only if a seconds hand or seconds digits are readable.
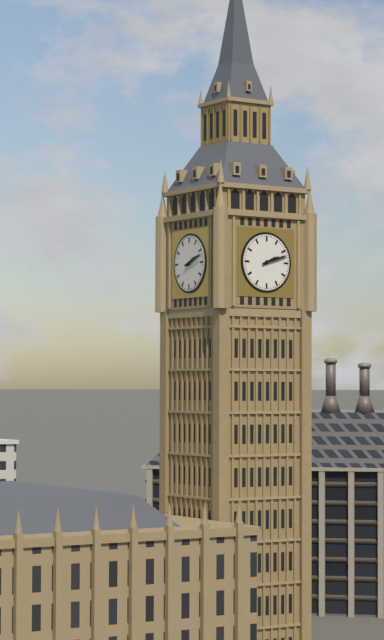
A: 2:12
